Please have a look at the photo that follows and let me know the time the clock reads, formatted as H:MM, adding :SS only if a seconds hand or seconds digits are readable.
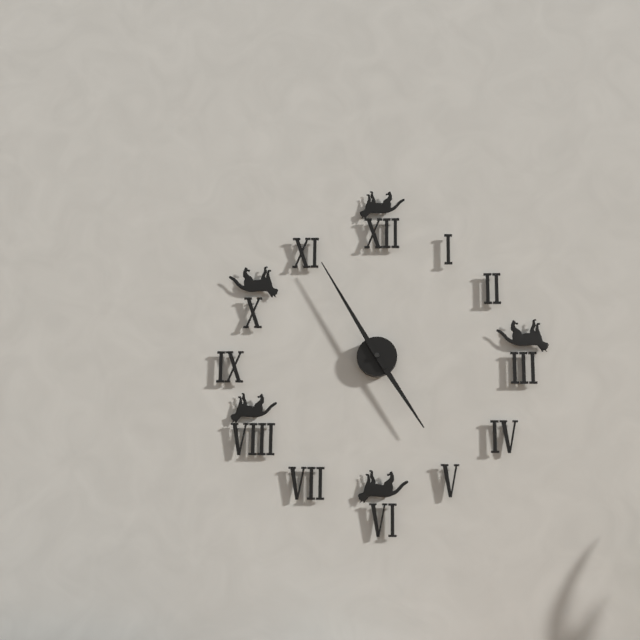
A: 4:55
